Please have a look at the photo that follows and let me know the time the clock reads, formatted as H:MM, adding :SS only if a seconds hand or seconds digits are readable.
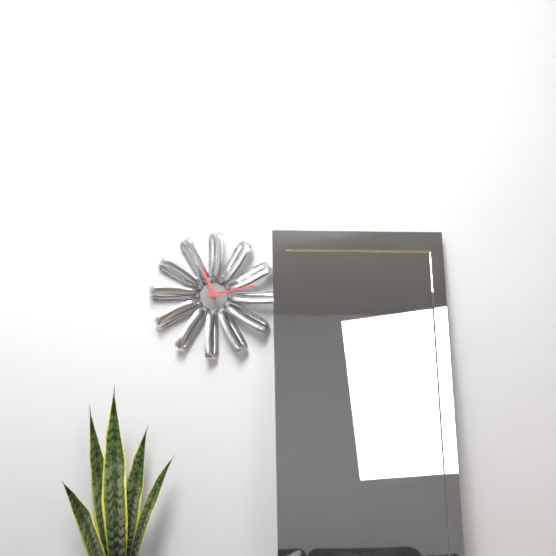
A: 11:13
